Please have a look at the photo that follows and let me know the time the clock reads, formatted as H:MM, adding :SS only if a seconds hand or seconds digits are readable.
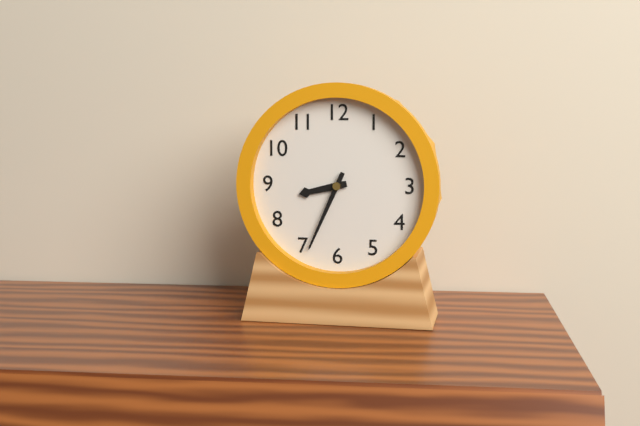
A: 8:34
